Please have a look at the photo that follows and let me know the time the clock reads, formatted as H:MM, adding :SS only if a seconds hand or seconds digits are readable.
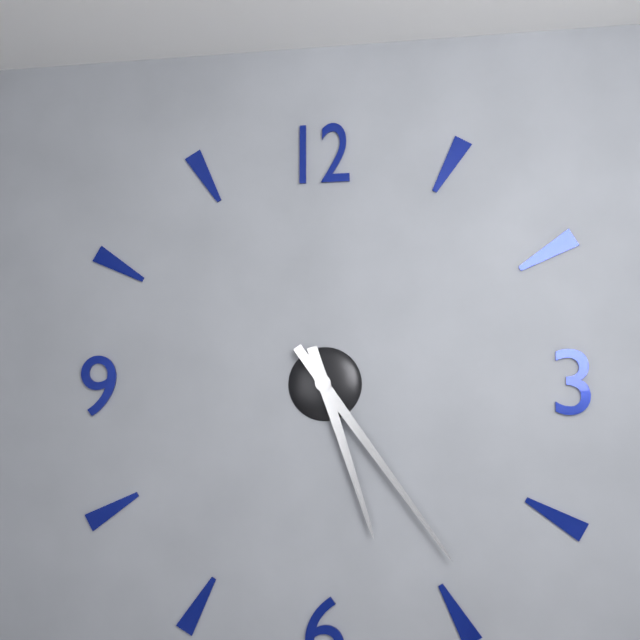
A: 5:24
